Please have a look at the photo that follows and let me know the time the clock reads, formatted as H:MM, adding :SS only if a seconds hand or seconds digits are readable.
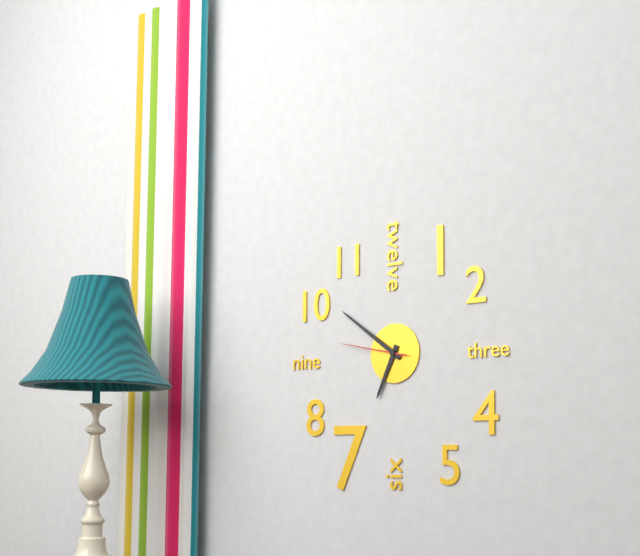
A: 6:51:47
